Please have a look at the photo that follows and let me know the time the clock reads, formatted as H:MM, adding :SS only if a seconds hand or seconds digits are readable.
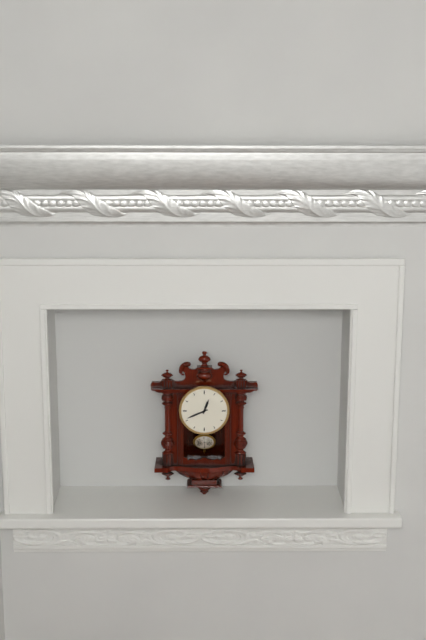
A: 12:41
